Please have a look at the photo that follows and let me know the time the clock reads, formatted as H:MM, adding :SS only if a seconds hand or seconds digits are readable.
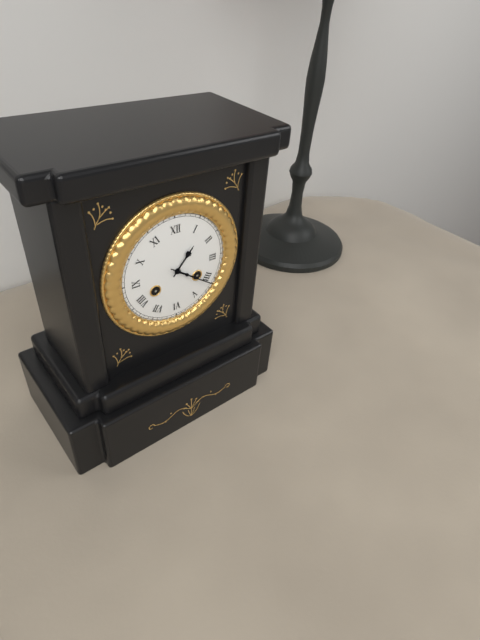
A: 1:21
